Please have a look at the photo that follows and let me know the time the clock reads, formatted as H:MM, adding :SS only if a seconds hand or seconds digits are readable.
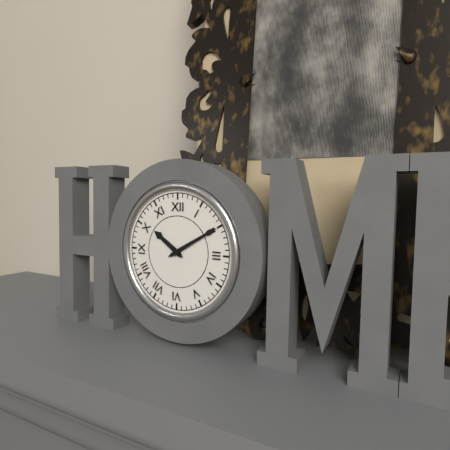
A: 10:10
